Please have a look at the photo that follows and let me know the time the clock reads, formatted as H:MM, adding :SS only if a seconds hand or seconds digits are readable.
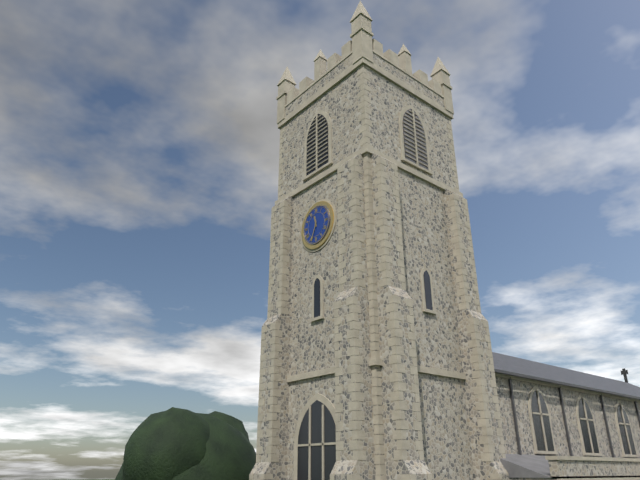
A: 11:34
